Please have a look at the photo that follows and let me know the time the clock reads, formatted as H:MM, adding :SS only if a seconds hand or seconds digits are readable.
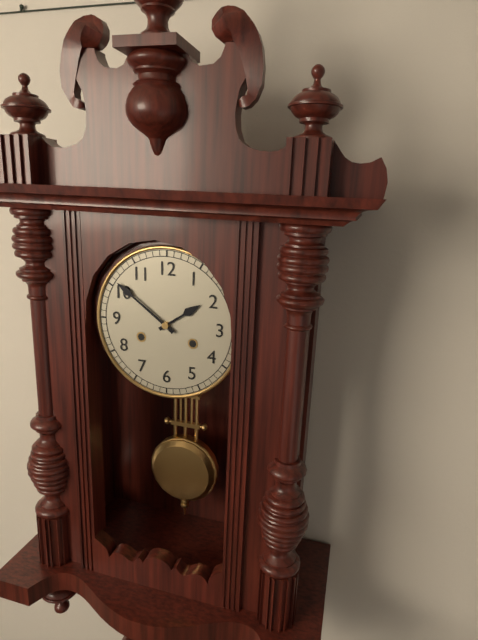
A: 1:51
